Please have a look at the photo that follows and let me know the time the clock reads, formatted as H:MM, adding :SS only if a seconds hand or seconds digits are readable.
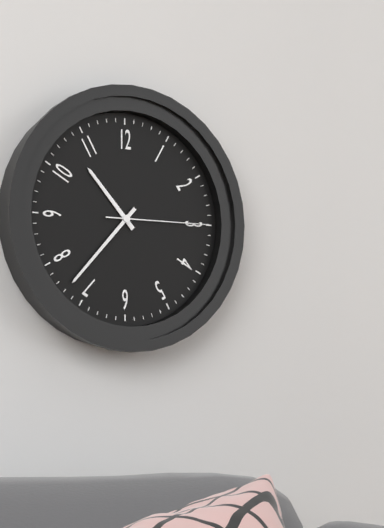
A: 10:37:15
